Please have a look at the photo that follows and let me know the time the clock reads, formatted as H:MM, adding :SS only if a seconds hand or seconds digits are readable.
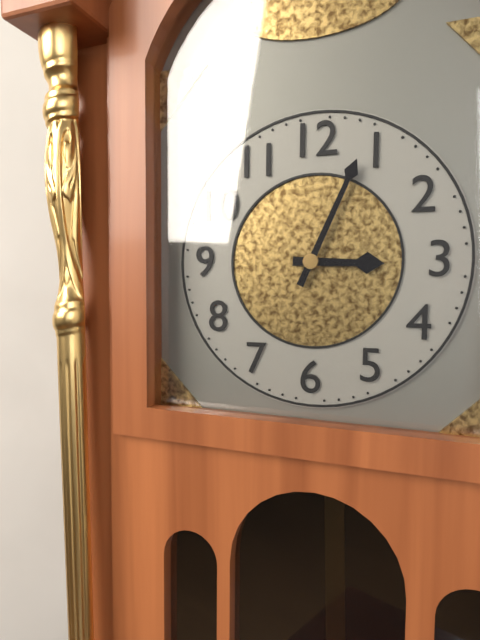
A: 3:04
